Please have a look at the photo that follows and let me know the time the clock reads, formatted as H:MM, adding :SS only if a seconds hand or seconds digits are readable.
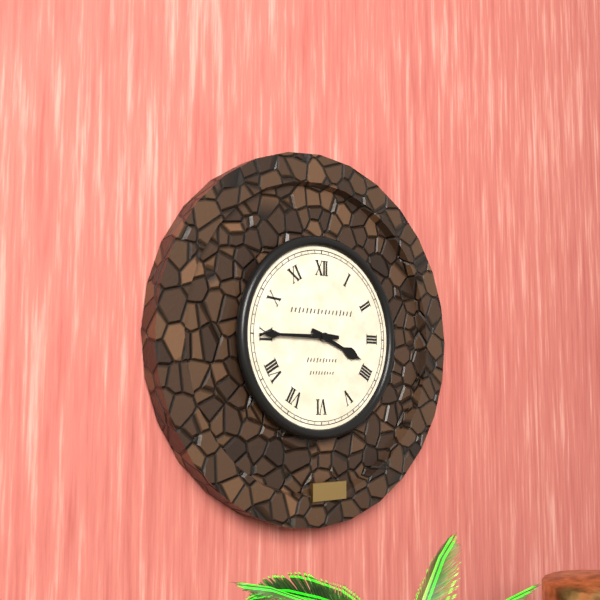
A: 3:45
